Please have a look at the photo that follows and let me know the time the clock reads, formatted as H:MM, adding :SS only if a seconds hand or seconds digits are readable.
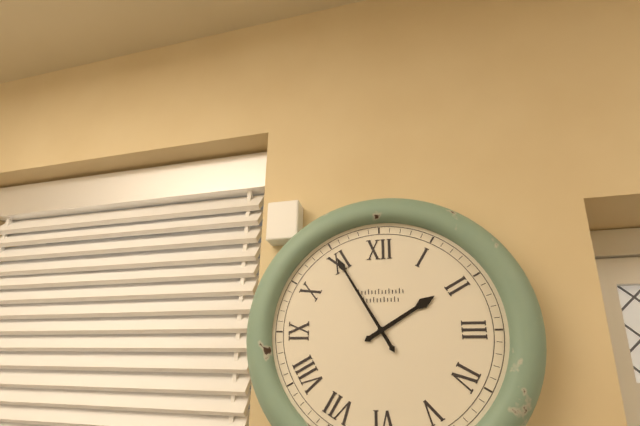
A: 1:55
